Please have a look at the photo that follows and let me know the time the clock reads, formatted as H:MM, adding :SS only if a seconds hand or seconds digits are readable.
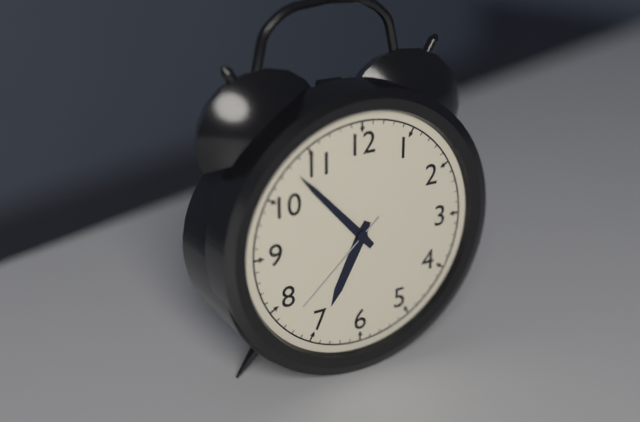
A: 6:53:38
